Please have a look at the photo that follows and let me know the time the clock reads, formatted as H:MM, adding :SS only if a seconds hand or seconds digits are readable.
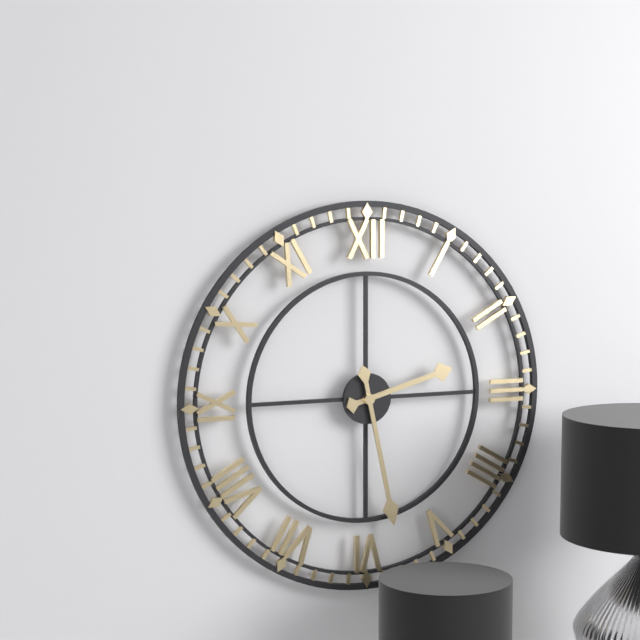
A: 2:28
